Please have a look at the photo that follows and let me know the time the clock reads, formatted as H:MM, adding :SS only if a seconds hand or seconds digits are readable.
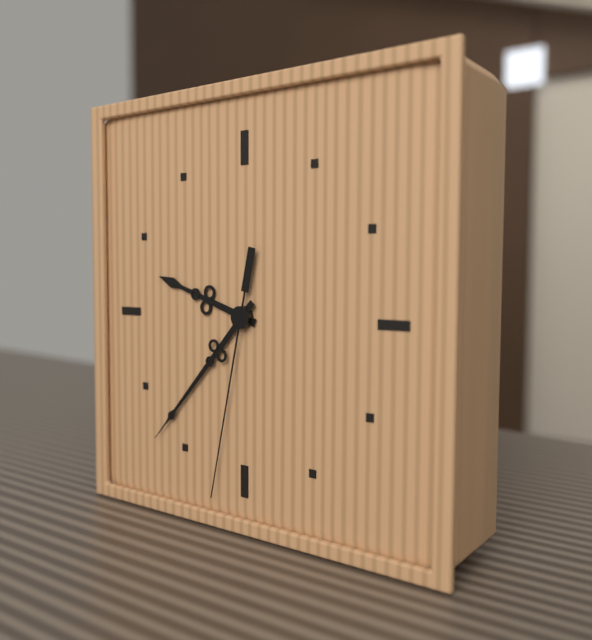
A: 9:37:32
